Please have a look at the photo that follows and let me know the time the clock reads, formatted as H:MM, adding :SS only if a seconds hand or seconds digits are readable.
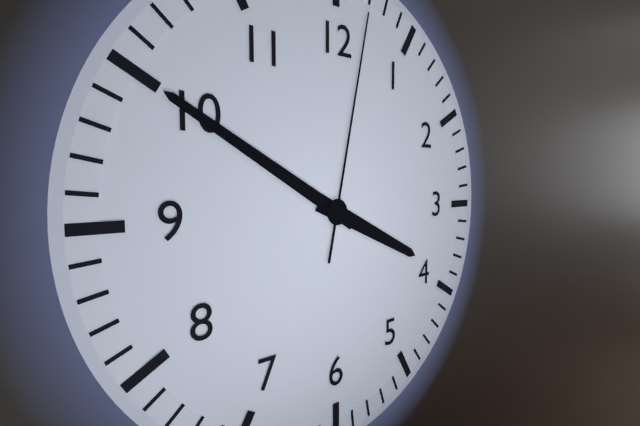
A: 3:50:02
